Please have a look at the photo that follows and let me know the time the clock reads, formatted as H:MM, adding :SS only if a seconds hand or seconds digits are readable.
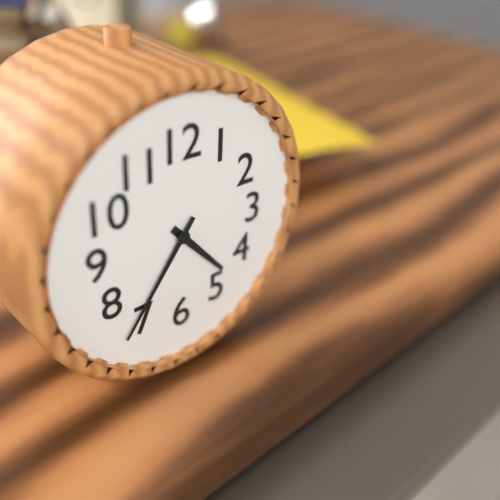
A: 4:36
